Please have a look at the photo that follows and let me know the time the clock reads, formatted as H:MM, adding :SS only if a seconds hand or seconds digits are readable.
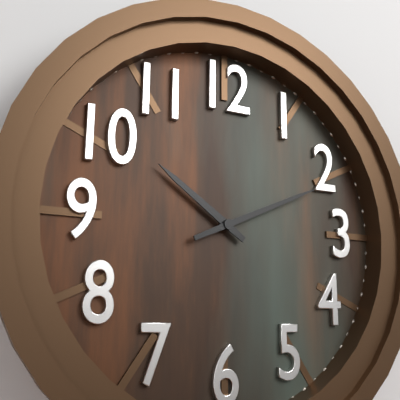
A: 10:11
